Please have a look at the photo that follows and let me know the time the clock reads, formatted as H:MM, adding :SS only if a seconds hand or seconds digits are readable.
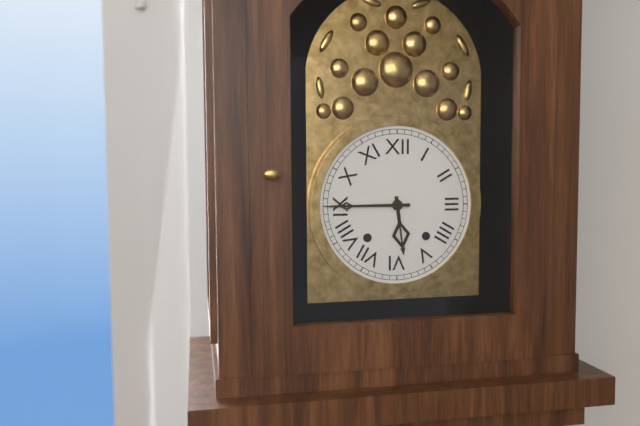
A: 5:45
